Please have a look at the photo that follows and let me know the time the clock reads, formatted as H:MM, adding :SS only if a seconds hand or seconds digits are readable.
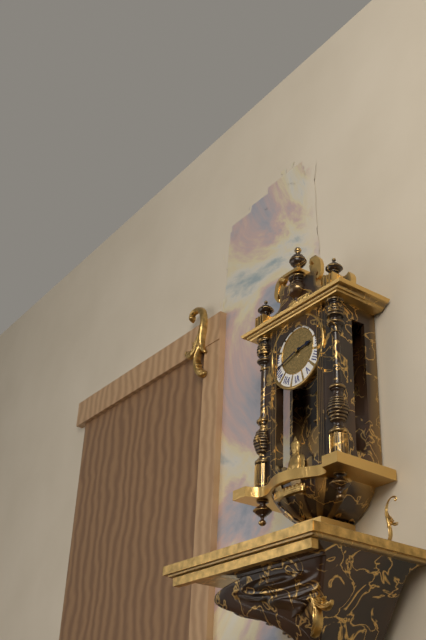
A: 2:42
